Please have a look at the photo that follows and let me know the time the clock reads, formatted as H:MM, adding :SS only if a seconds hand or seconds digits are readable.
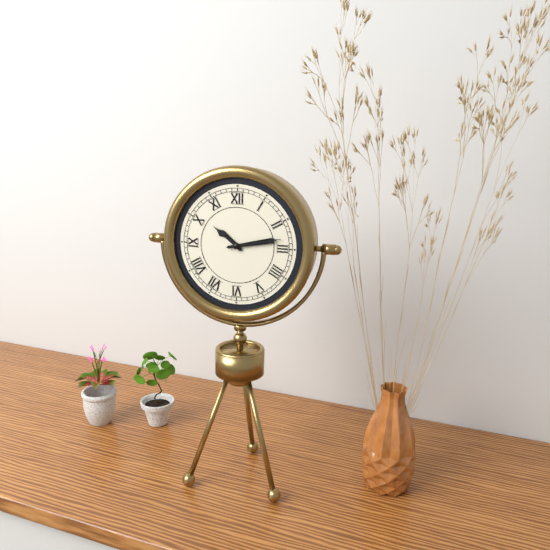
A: 10:13
